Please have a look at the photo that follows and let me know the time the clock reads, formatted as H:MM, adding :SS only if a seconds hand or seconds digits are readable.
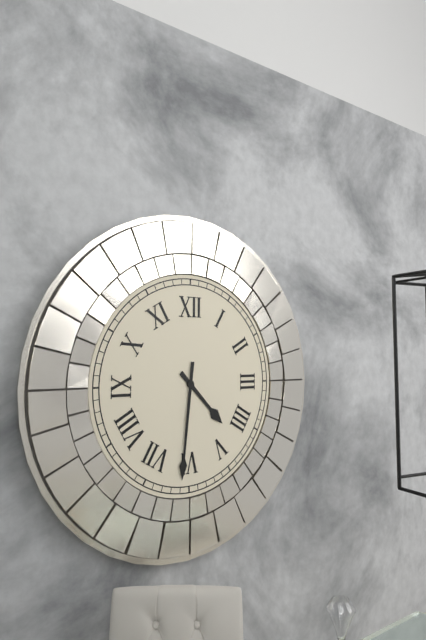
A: 4:31
